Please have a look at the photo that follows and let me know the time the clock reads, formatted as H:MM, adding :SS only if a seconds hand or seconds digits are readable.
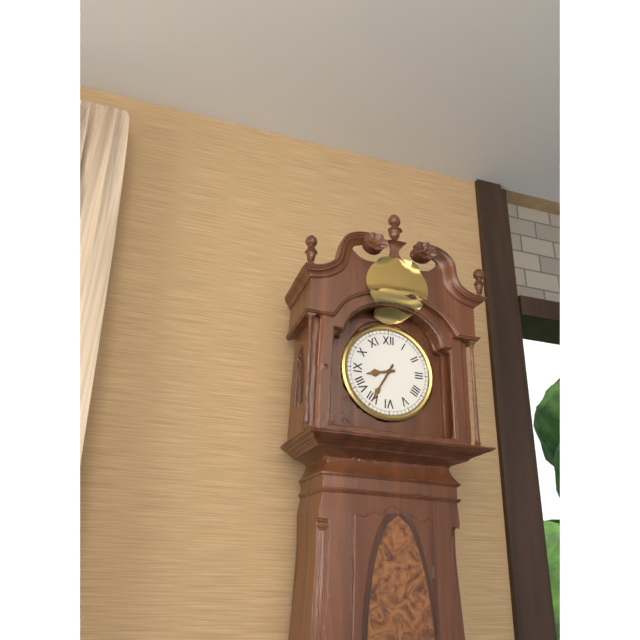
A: 8:35
